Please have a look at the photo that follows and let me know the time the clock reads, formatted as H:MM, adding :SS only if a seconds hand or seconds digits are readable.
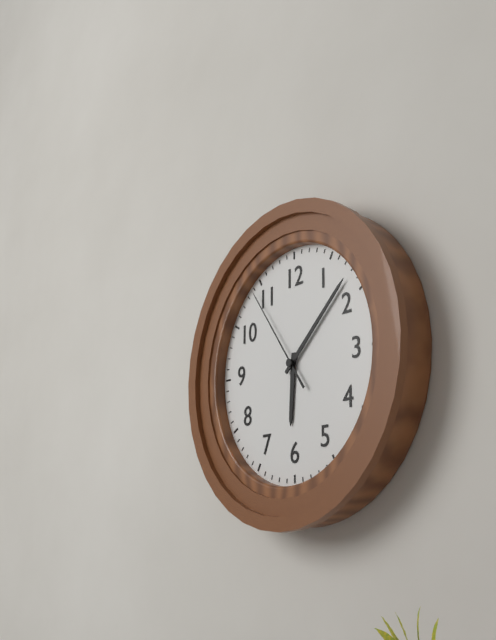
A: 6:08:54
